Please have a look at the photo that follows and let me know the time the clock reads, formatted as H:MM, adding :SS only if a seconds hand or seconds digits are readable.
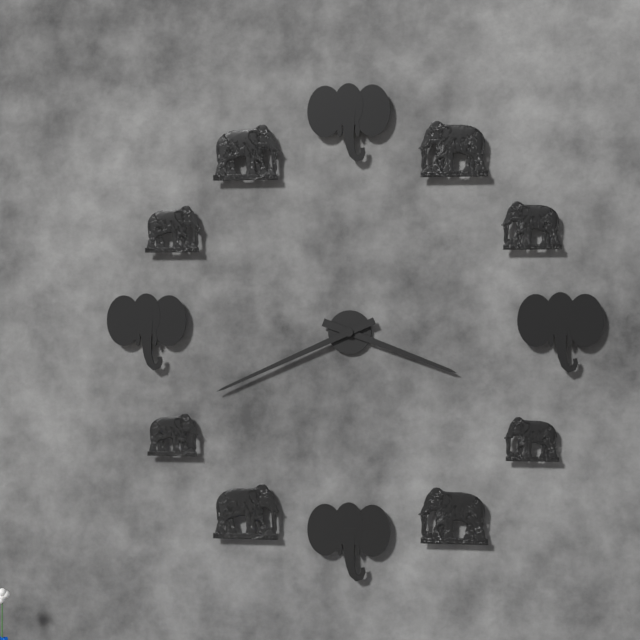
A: 3:41
